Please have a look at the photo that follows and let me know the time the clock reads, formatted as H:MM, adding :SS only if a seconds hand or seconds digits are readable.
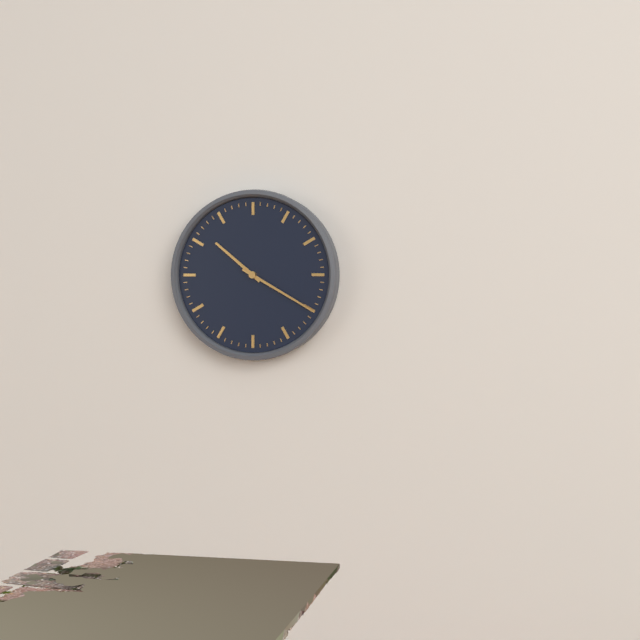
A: 10:20
